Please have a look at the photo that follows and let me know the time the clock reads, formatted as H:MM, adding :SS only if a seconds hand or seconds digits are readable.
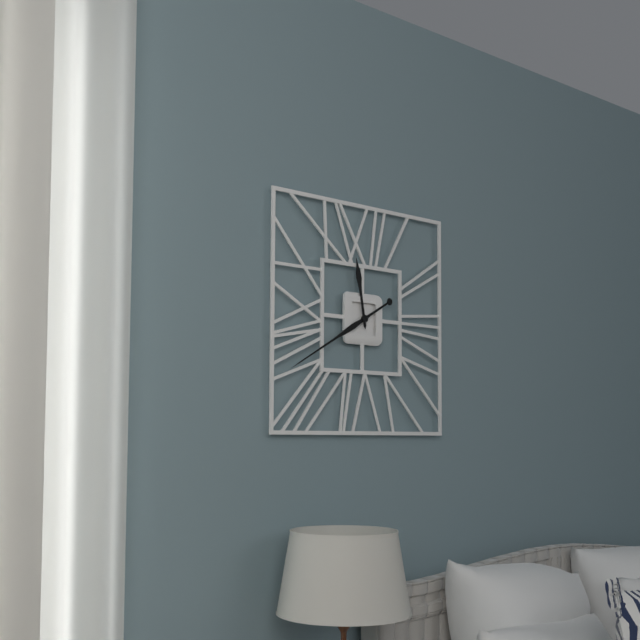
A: 11:40
